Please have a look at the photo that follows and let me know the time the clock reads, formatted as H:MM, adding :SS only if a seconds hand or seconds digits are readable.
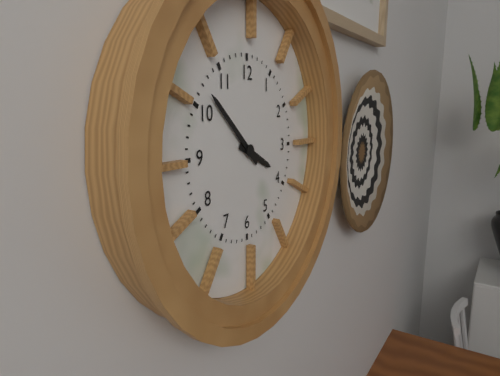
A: 3:52
